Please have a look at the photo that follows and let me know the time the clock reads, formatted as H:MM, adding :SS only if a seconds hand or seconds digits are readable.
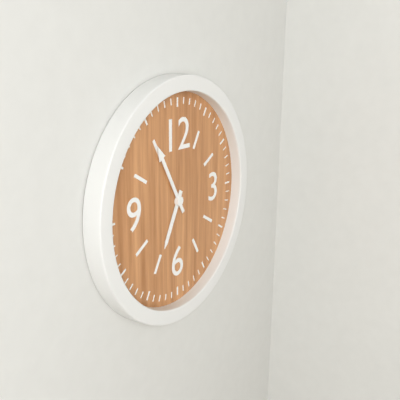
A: 6:55
